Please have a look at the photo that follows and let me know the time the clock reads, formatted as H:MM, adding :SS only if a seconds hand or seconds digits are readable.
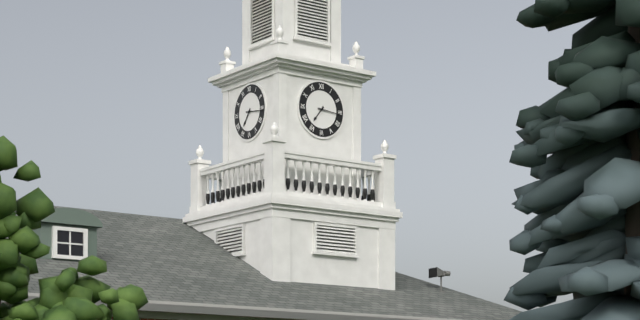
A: 7:16
